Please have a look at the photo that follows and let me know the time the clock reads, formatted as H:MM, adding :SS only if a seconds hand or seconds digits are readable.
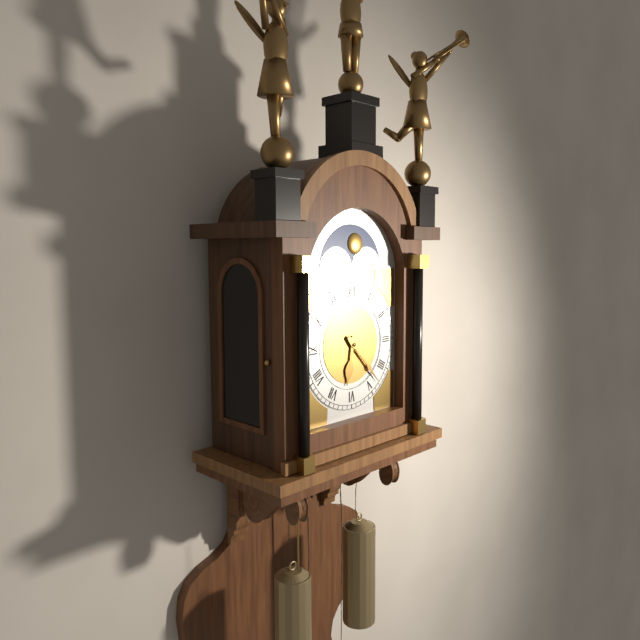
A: 6:23
